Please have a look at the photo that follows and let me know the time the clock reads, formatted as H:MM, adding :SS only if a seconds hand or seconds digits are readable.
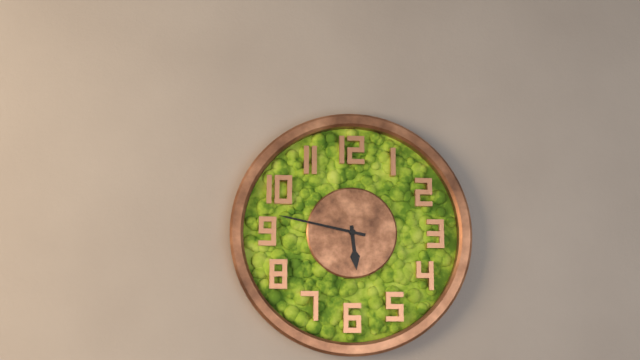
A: 5:47
